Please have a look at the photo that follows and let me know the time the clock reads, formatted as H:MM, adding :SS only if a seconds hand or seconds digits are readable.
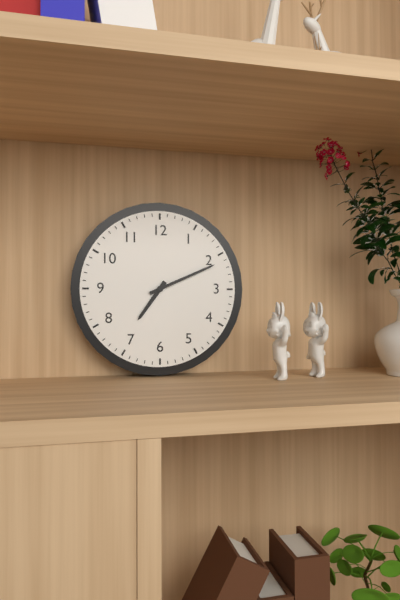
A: 7:11
